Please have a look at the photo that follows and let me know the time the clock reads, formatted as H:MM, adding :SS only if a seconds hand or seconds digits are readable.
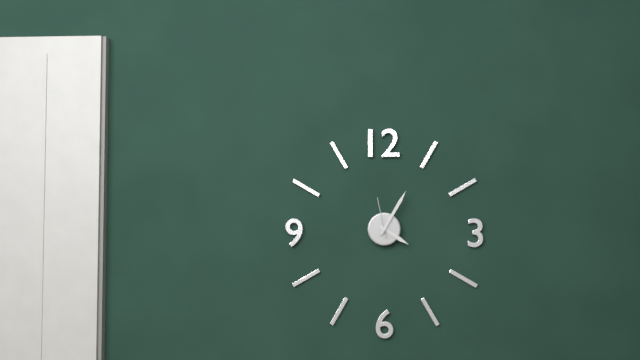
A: 4:05
